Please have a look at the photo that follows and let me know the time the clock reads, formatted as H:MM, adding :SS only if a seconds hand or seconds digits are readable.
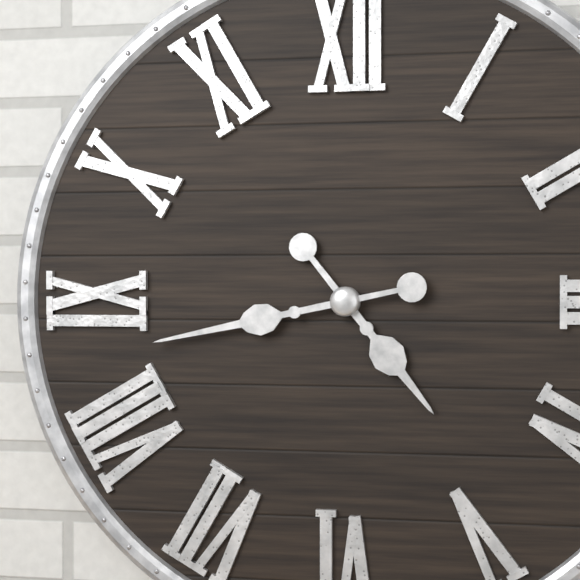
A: 4:43
